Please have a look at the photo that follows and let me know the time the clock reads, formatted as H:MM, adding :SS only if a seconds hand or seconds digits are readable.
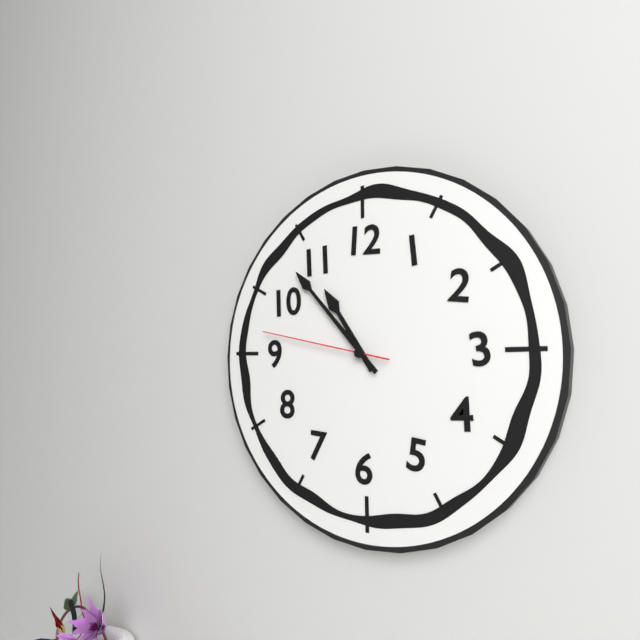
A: 10:53:47
